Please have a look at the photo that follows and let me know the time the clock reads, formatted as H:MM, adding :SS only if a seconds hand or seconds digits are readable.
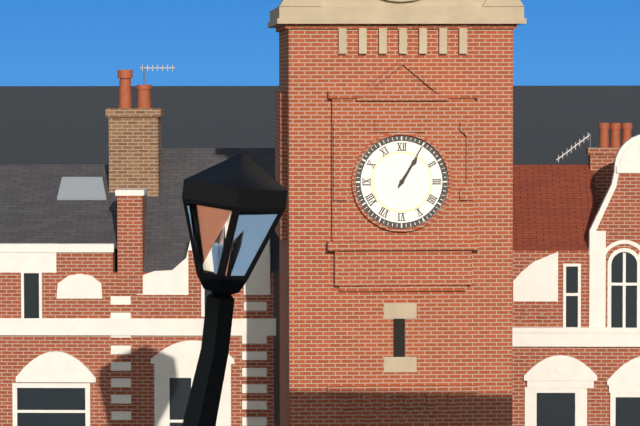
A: 1:05
